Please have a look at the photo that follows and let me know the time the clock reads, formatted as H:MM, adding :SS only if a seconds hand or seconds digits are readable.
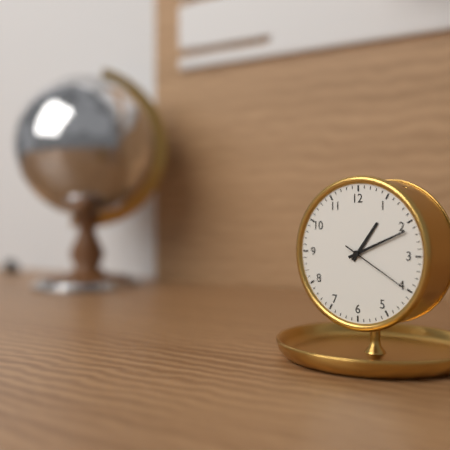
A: 1:11:20
